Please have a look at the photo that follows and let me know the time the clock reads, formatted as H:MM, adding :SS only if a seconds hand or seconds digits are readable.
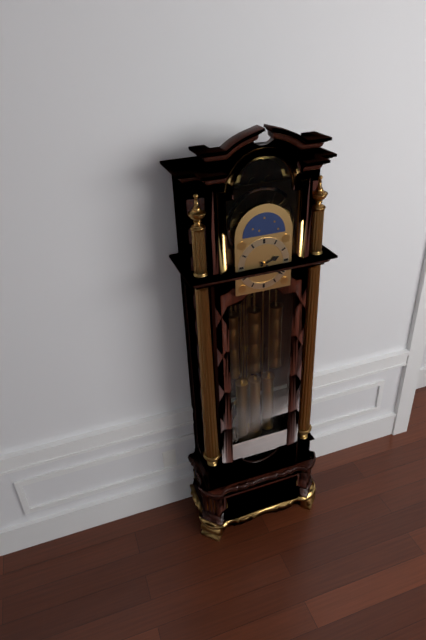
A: 2:21
